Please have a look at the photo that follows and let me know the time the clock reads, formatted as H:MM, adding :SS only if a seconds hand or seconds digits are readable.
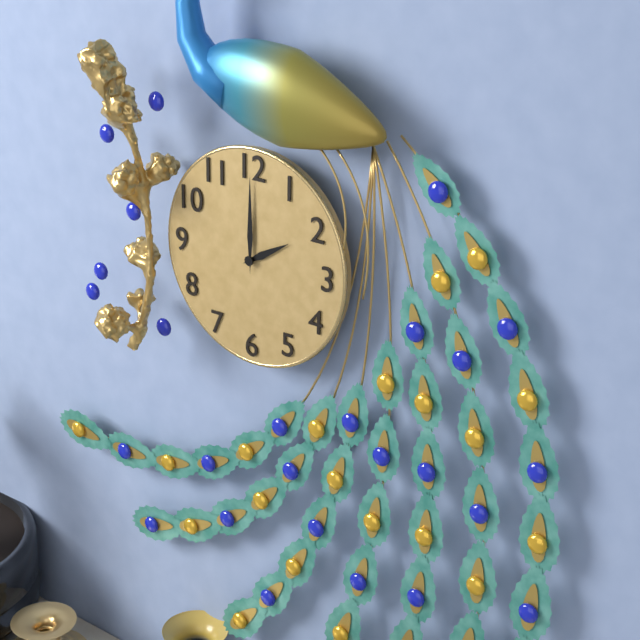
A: 2:00
